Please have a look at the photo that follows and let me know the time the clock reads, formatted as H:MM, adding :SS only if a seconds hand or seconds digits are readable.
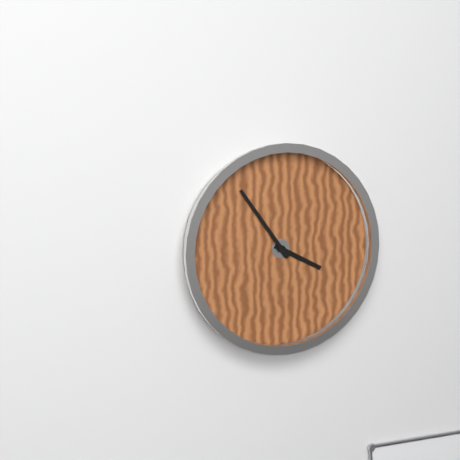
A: 3:54
